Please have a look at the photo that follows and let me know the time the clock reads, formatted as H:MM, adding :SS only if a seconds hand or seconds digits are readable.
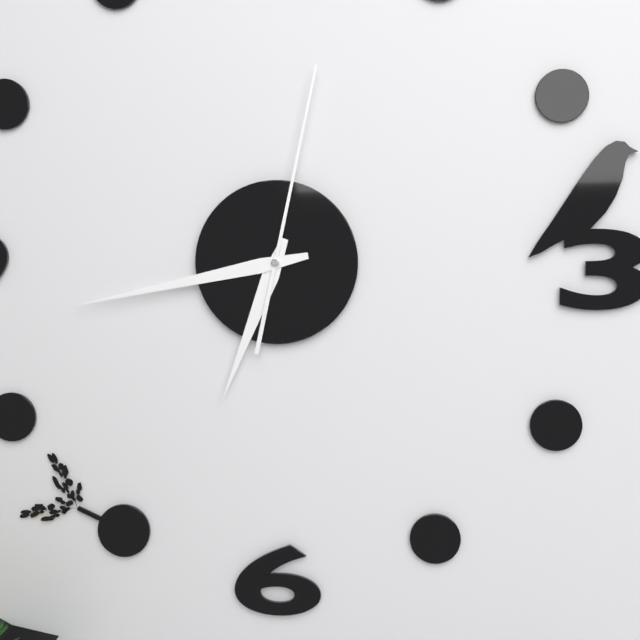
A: 6:43:02
